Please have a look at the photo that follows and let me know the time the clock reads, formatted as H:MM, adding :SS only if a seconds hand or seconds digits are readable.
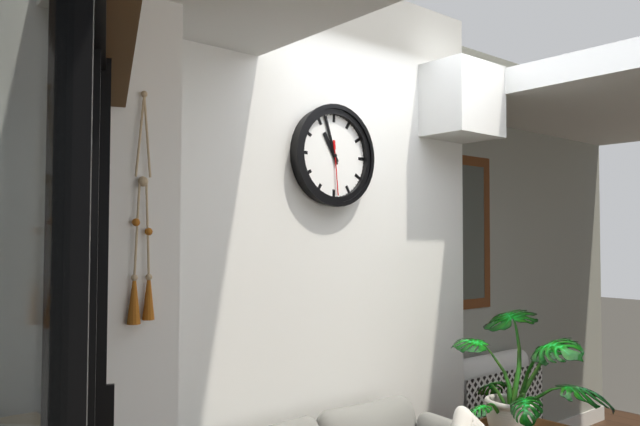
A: 10:57:29
